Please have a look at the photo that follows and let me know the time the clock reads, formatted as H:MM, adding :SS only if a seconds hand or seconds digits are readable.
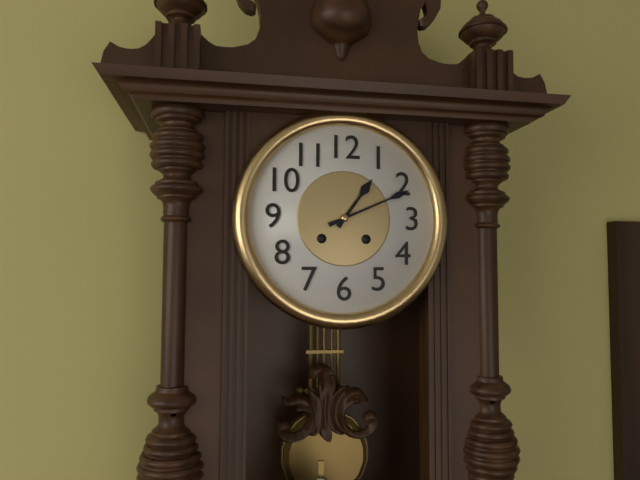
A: 1:11
